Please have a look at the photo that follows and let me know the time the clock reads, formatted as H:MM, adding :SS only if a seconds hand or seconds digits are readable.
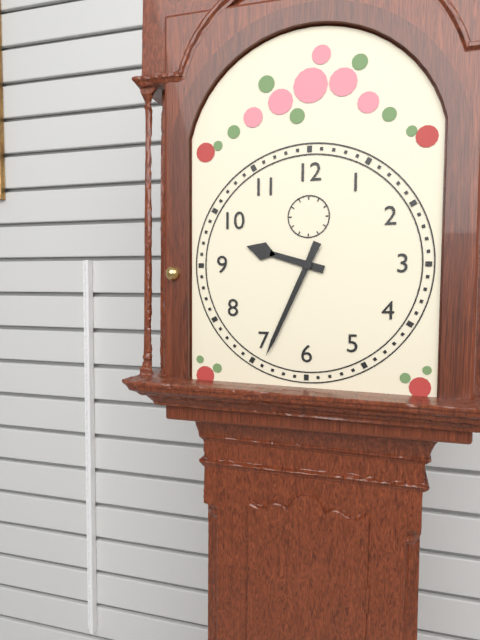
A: 9:34
